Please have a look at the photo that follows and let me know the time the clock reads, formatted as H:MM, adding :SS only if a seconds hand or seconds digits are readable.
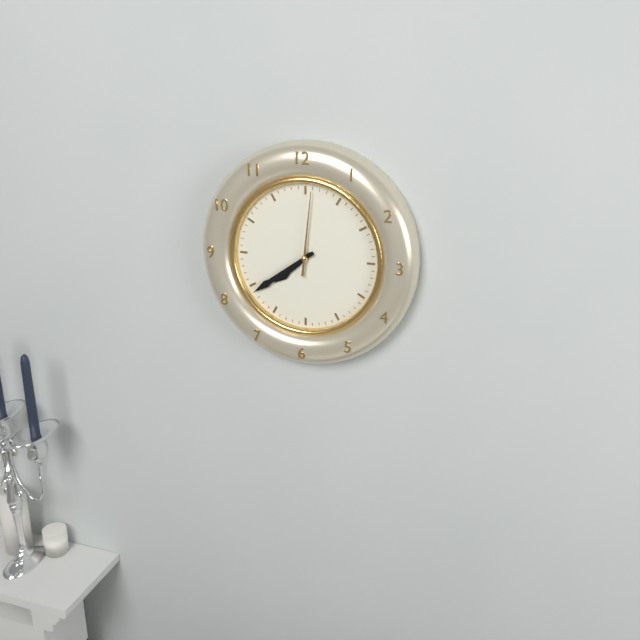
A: 7:39:01
